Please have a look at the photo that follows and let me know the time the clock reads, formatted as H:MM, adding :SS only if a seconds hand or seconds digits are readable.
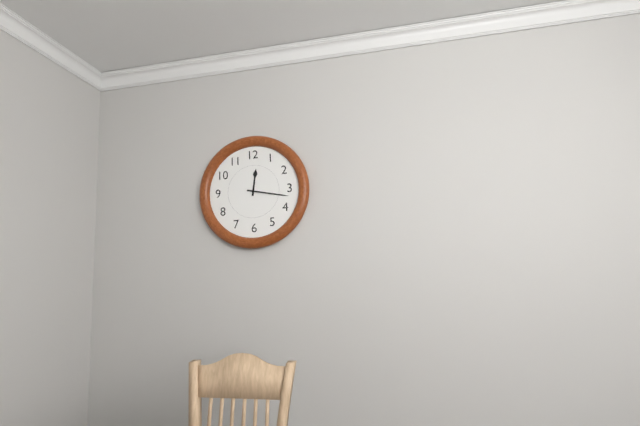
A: 12:17
